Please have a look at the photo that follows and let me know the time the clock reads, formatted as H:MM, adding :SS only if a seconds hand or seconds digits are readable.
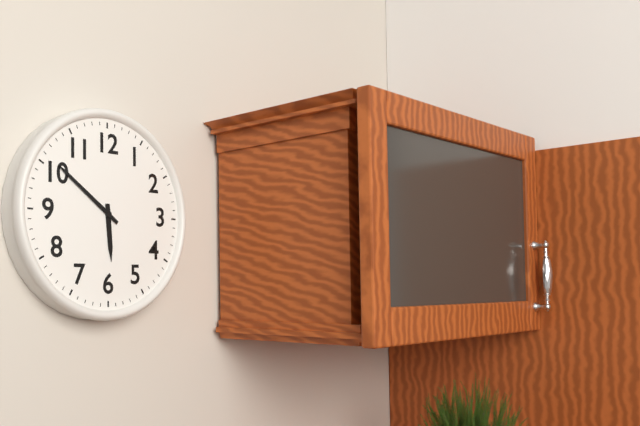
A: 5:51
